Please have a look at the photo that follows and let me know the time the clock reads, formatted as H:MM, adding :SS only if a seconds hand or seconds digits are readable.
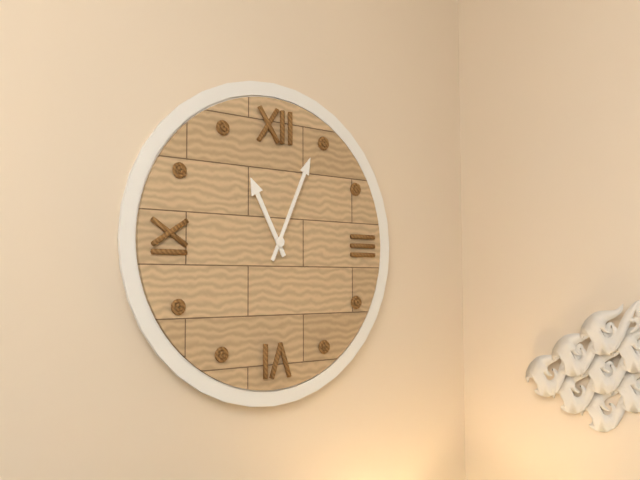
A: 11:04
